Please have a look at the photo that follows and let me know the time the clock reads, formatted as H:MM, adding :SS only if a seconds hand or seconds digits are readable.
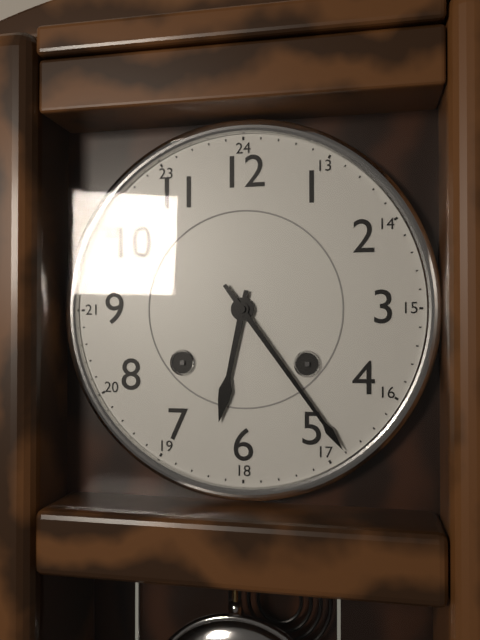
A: 6:24
